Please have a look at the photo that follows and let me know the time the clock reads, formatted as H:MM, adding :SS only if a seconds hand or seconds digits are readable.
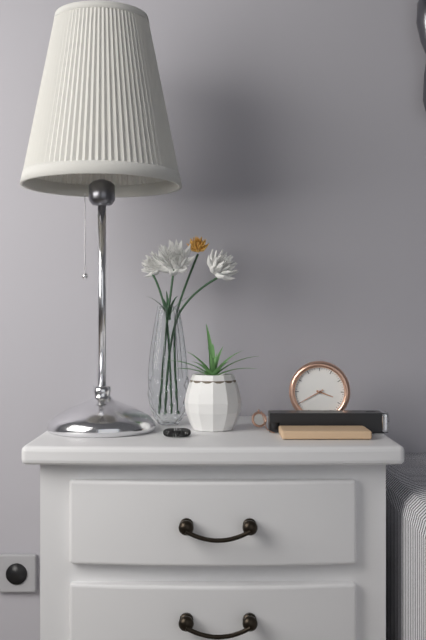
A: 3:40
